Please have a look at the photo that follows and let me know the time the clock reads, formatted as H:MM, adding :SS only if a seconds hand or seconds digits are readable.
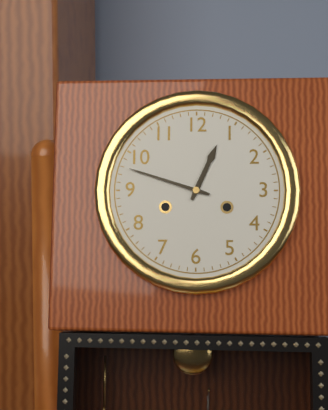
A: 12:48
